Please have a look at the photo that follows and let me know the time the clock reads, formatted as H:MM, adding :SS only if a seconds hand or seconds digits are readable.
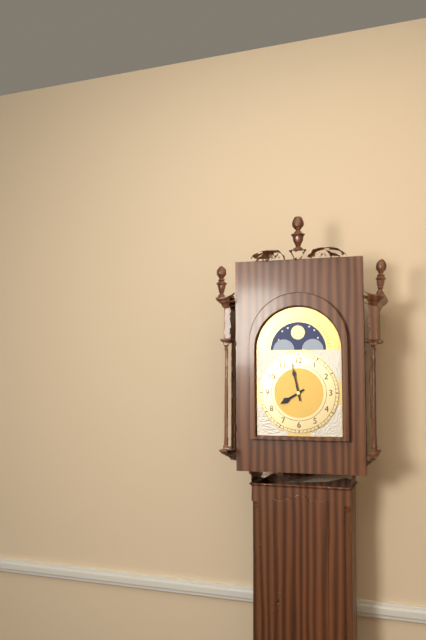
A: 7:58
